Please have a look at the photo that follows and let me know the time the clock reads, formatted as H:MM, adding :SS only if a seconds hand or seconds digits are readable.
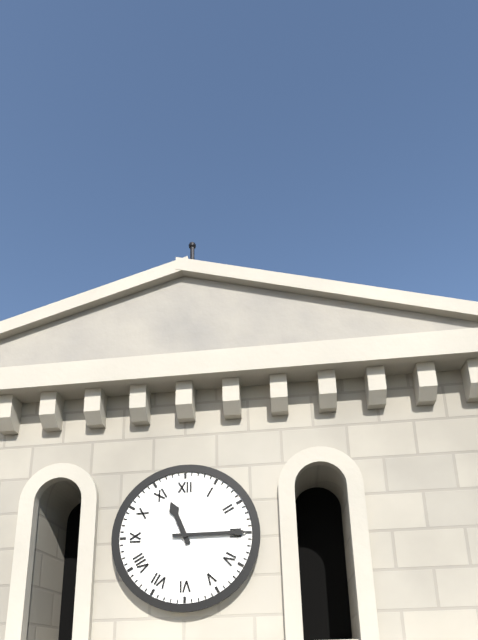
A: 11:15
